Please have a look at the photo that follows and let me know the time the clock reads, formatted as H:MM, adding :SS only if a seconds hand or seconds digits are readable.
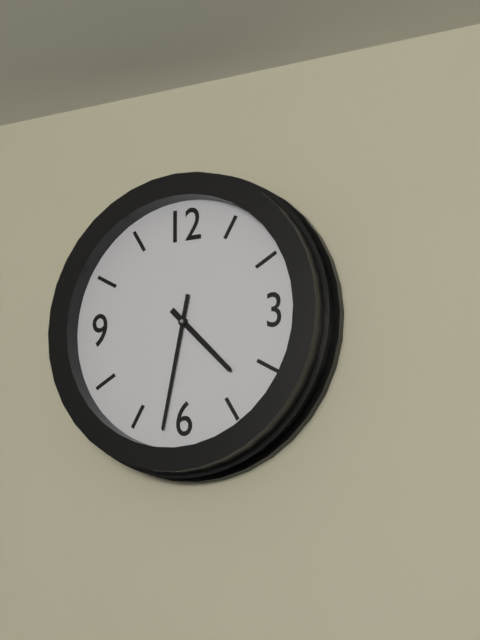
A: 4:32
